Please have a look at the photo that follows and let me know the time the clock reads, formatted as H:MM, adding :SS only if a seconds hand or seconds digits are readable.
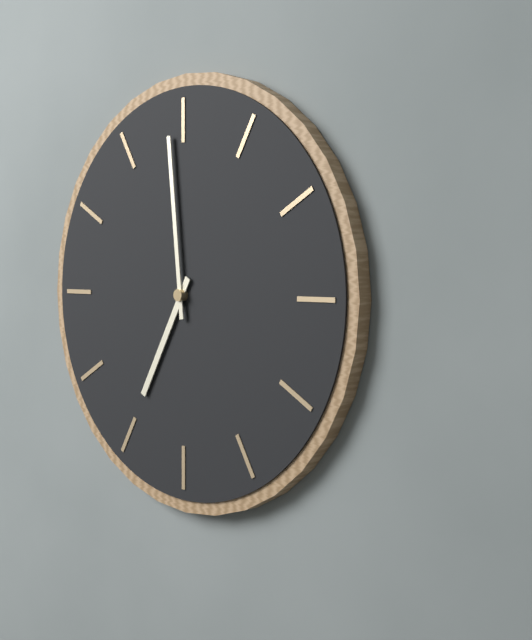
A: 6:59
